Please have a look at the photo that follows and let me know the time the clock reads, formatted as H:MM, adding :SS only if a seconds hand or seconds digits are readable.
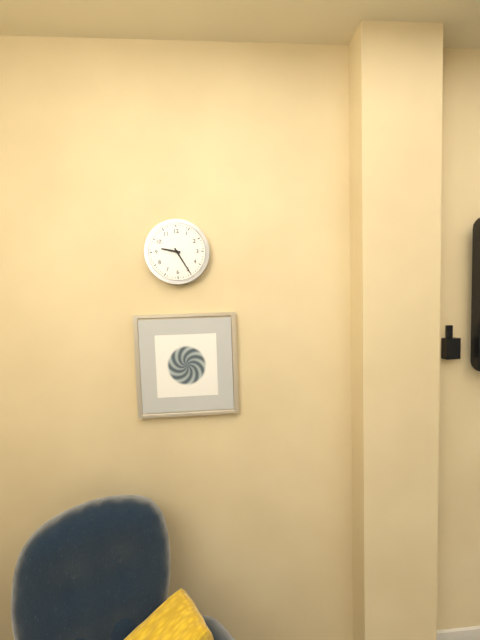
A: 9:25
